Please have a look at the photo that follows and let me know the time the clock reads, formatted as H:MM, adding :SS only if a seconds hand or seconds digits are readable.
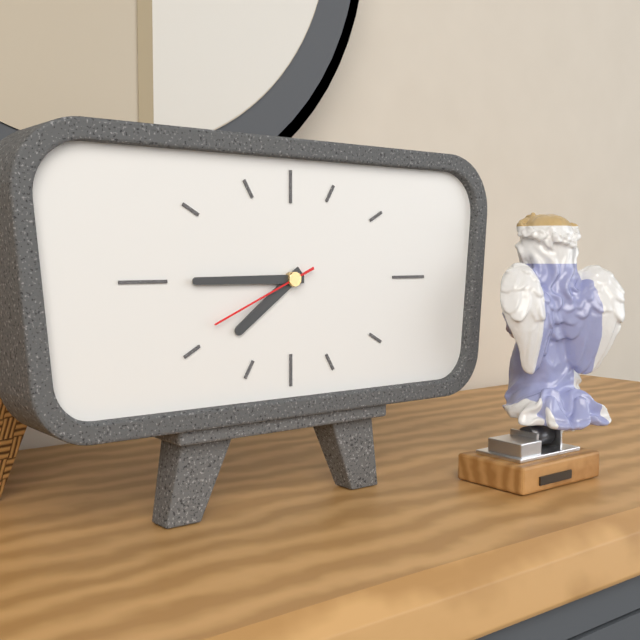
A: 7:45:41
